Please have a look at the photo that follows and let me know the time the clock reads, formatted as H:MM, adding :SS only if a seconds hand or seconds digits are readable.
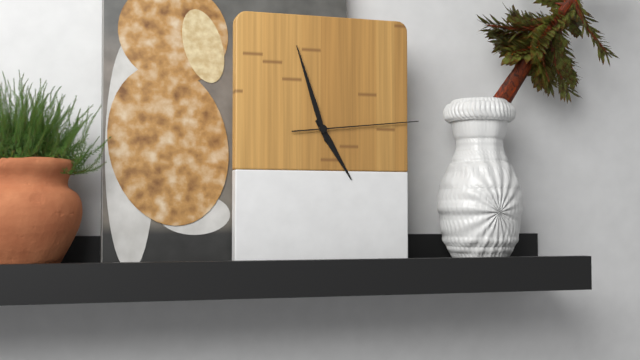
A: 4:57:14
